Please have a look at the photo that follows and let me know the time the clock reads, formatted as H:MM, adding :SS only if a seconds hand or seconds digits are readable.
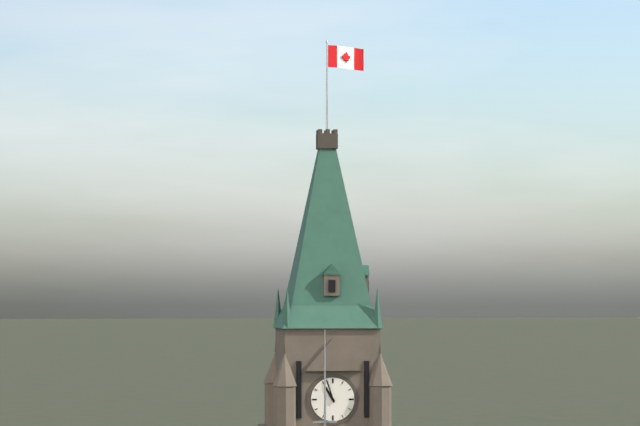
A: 10:57
